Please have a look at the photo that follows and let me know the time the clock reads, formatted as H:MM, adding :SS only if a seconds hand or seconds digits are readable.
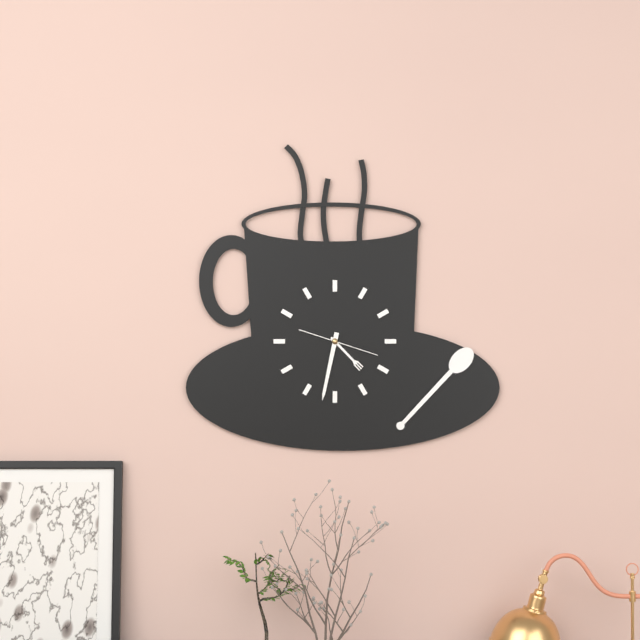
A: 4:32:18
